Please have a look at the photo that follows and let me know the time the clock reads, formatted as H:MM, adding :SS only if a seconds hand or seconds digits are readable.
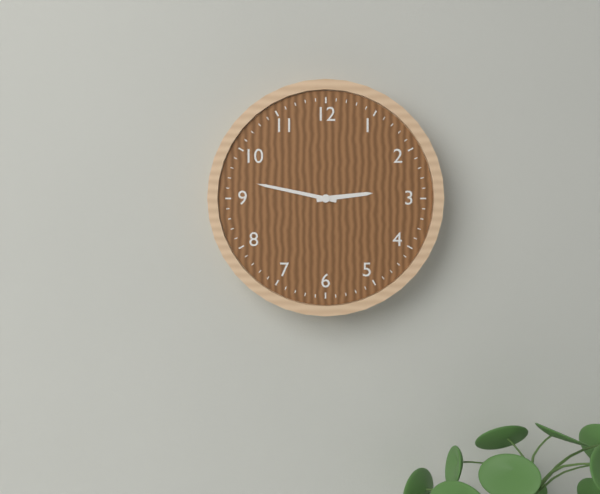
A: 2:47
